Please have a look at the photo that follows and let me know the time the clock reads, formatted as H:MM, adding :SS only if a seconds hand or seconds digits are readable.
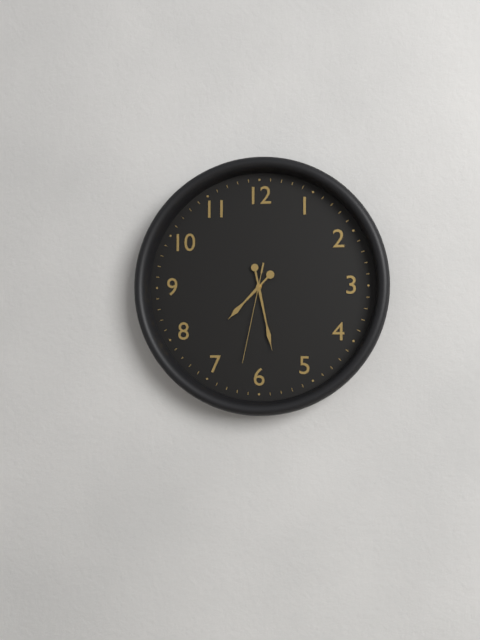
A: 7:28:32
